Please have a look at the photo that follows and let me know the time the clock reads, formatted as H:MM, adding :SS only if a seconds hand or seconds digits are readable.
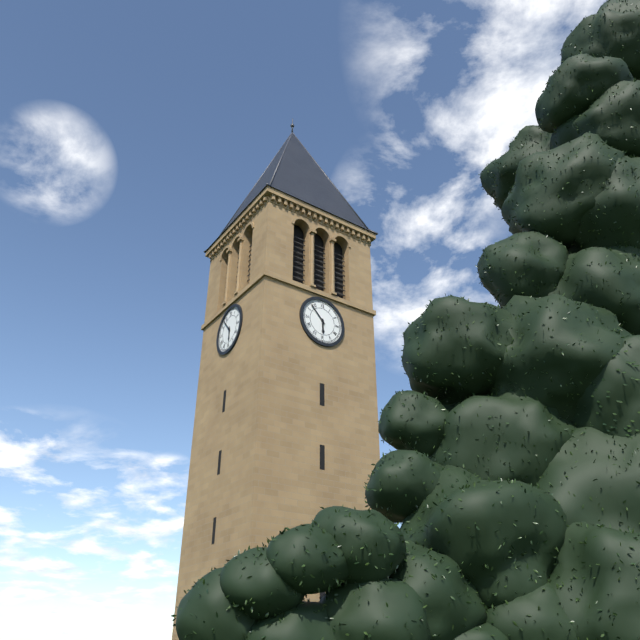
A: 5:53
